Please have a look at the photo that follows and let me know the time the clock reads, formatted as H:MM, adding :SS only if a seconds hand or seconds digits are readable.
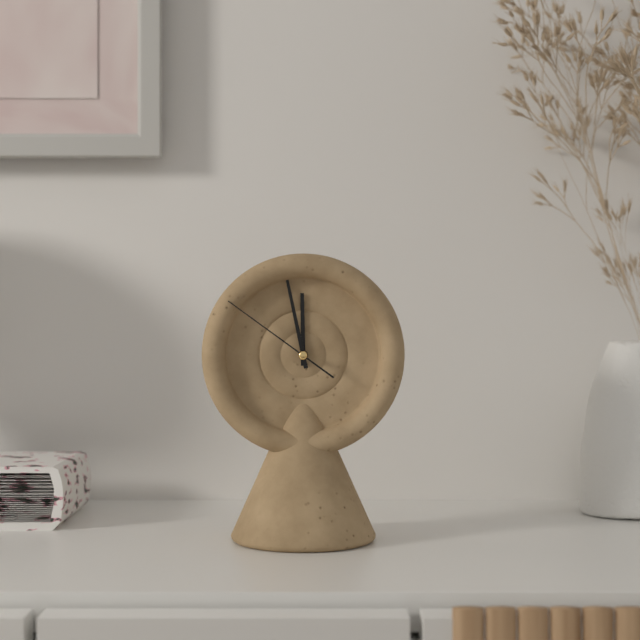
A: 11:58:51
